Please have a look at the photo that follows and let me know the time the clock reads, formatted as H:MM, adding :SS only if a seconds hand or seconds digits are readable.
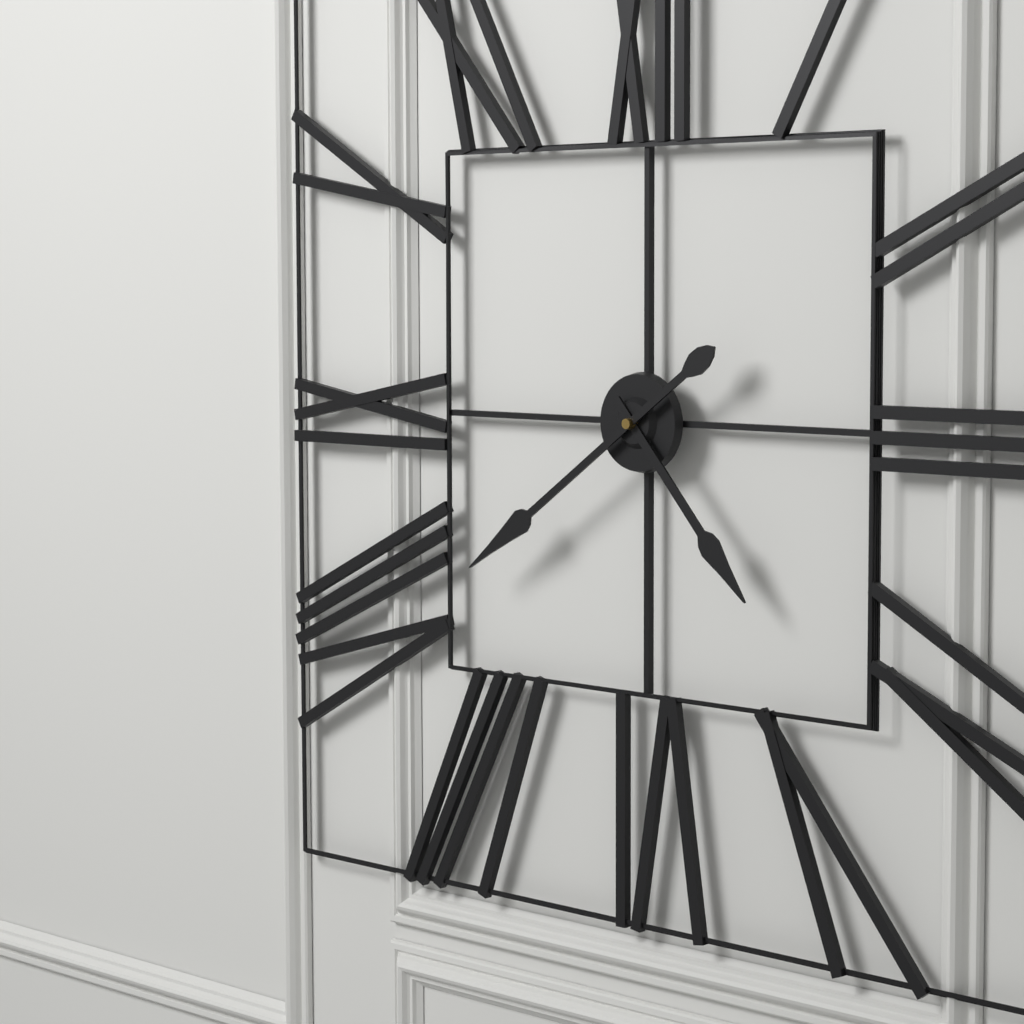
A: 4:39
